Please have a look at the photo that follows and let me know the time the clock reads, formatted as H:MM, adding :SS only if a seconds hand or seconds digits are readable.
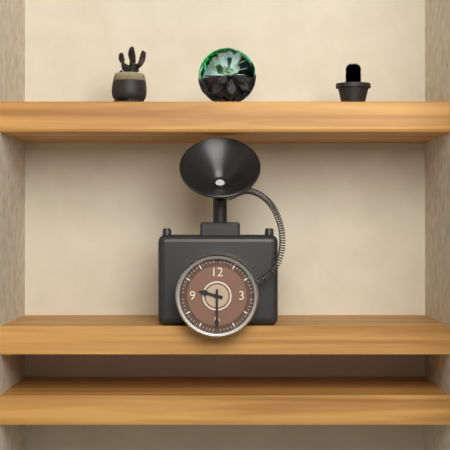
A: 9:30
